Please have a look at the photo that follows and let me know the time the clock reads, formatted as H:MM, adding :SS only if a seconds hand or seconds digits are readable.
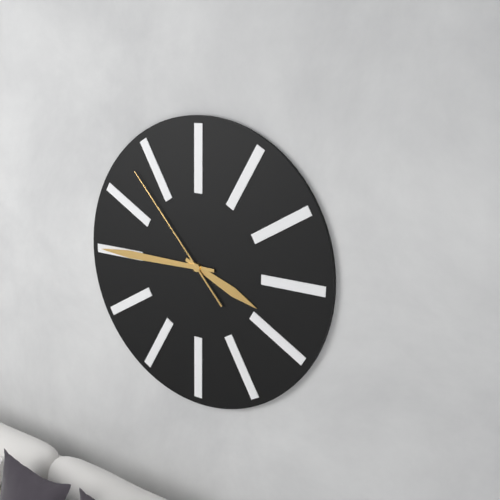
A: 3:45:53
